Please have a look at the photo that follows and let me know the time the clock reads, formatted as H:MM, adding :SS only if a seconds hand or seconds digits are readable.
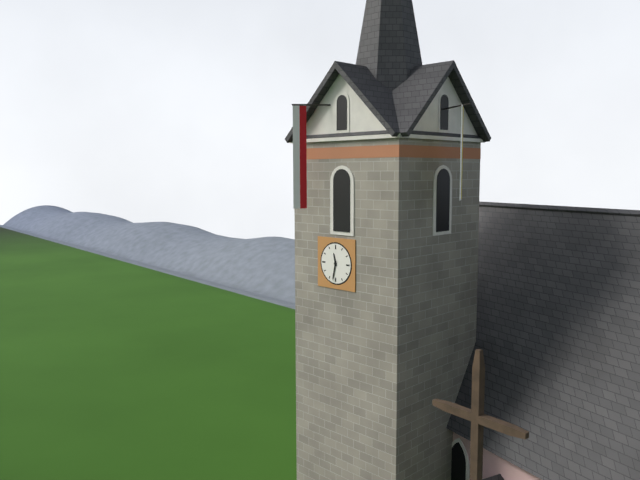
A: 11:32
